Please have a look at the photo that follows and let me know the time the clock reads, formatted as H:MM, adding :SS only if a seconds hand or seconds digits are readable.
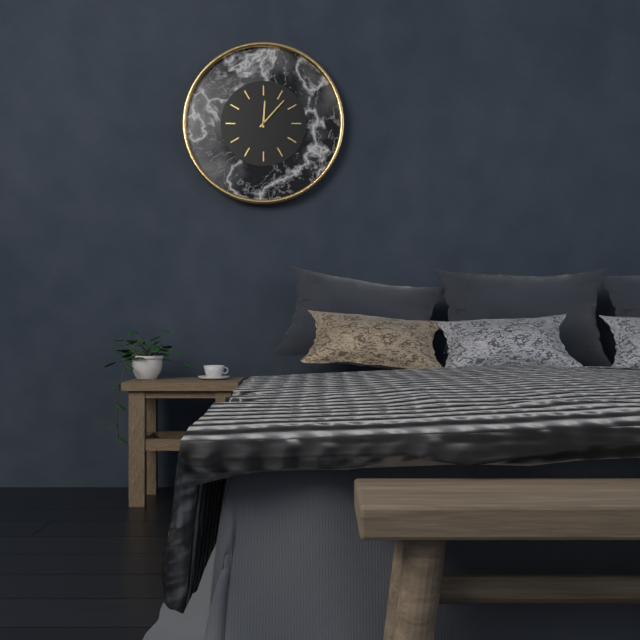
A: 12:07
